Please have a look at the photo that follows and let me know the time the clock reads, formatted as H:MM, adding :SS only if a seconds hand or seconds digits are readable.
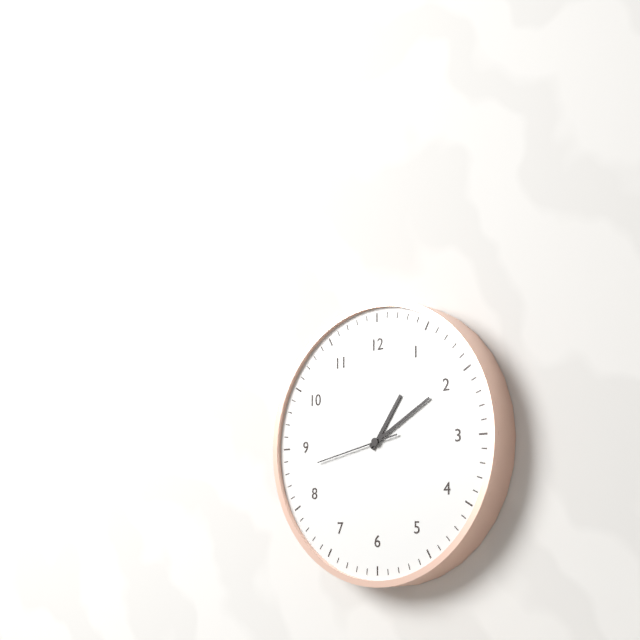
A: 1:10:43
